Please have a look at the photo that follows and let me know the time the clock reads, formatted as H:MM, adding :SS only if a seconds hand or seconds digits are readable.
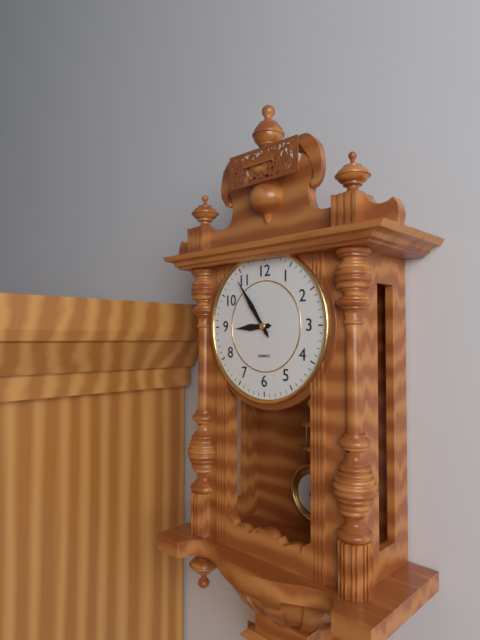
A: 8:54
